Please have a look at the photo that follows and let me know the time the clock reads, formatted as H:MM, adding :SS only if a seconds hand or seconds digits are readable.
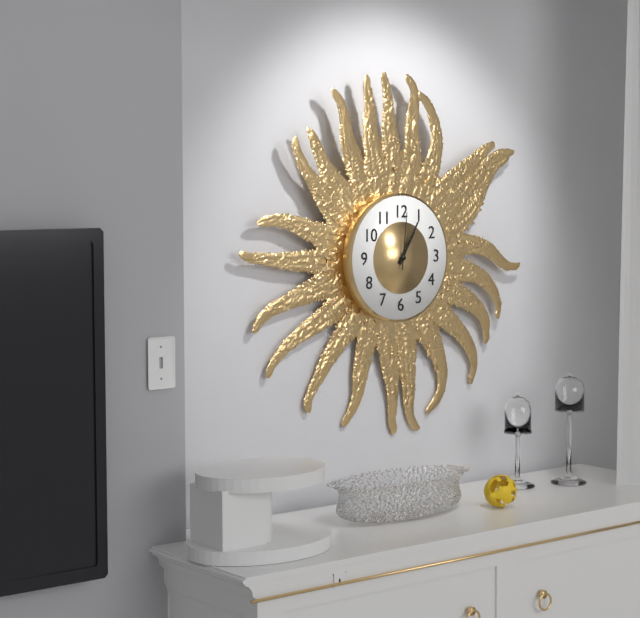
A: 1:05:01
